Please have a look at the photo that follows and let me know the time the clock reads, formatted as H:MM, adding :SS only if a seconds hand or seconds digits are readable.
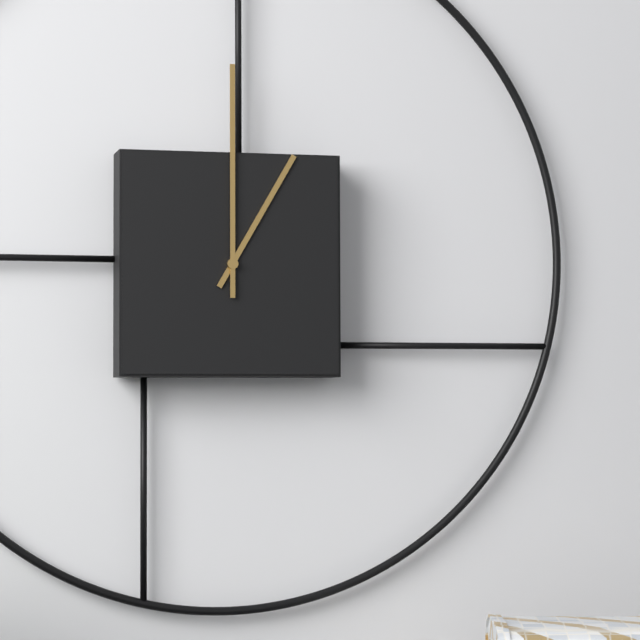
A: 1:00
